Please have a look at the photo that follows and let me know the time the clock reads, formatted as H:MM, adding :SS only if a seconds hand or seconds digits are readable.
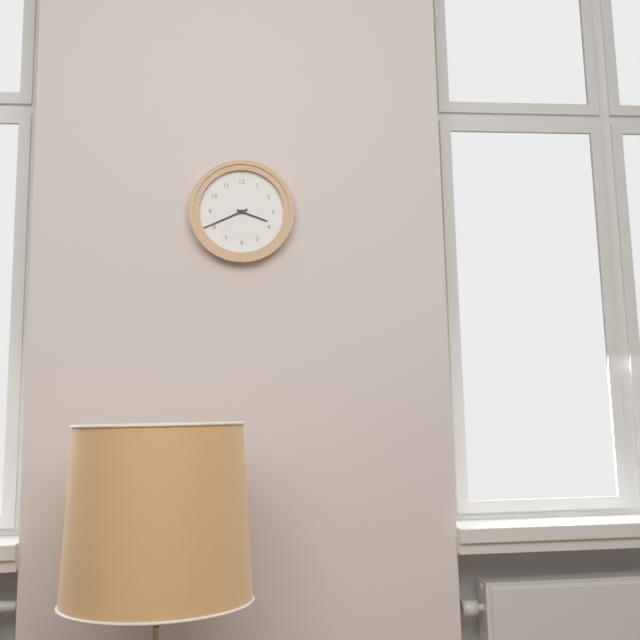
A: 3:41
